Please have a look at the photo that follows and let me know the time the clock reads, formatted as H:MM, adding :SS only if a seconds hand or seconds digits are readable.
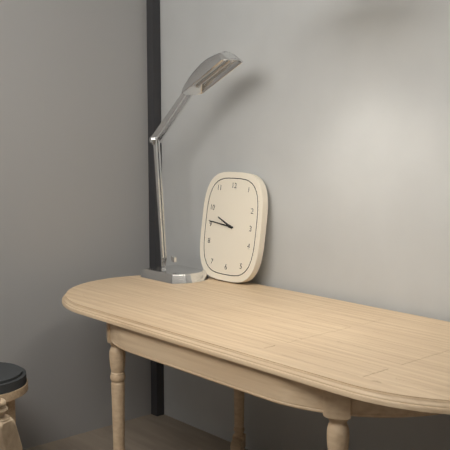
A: 9:46
